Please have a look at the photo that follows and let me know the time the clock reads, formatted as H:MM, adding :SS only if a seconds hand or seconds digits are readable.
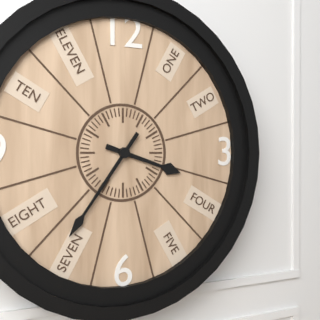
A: 3:36
